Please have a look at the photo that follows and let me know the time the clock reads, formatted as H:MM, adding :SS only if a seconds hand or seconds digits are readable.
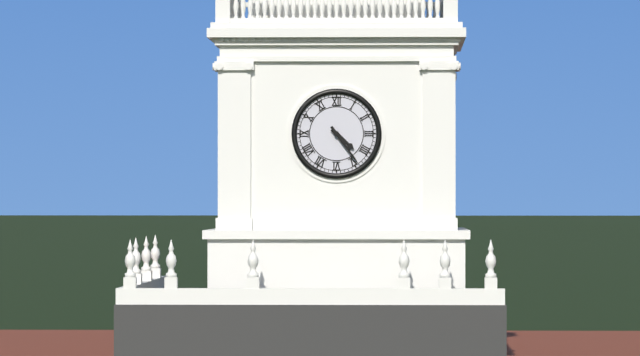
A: 4:24
